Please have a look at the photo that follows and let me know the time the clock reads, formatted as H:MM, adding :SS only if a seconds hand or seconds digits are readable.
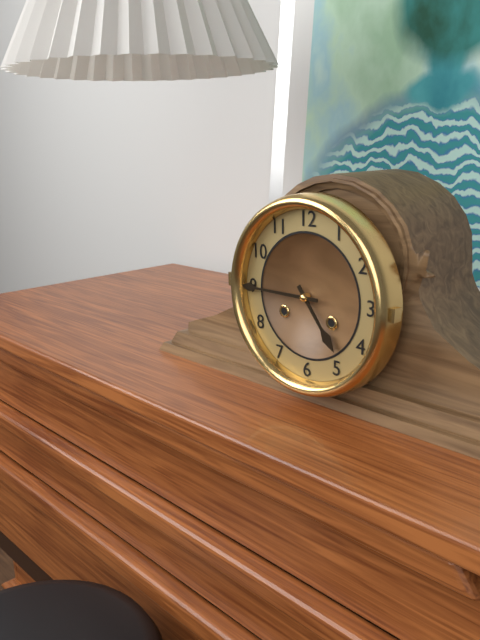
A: 4:45
